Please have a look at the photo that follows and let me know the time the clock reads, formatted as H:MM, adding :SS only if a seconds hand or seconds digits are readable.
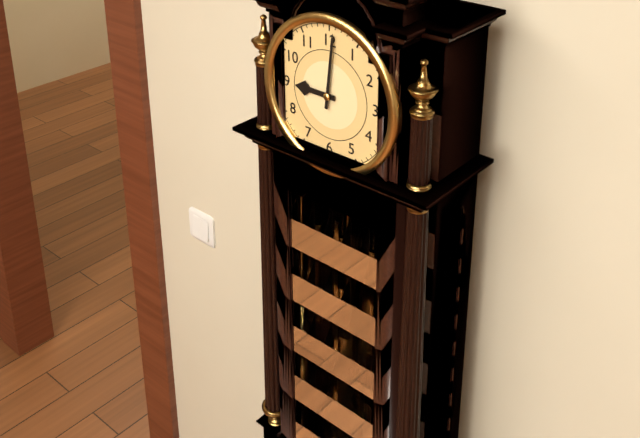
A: 9:01
